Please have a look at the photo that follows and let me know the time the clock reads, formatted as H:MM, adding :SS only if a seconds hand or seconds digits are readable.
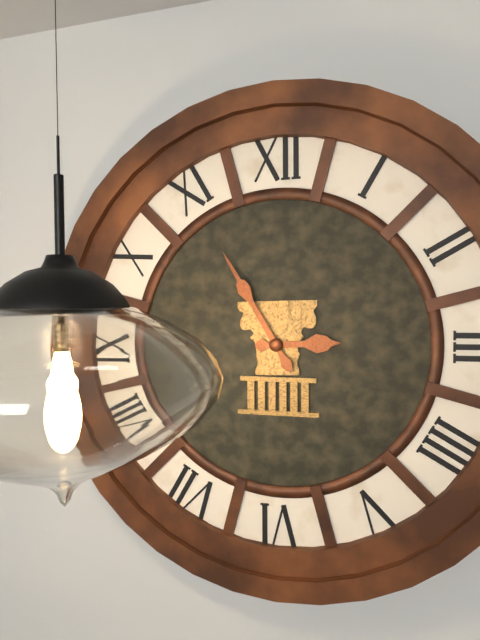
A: 2:55
